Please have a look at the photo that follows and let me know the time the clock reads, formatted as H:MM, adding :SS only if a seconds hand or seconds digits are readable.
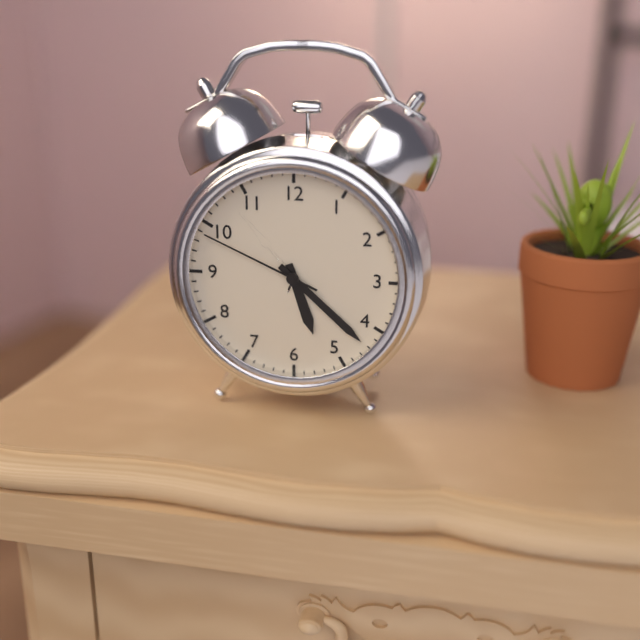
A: 5:22:49
